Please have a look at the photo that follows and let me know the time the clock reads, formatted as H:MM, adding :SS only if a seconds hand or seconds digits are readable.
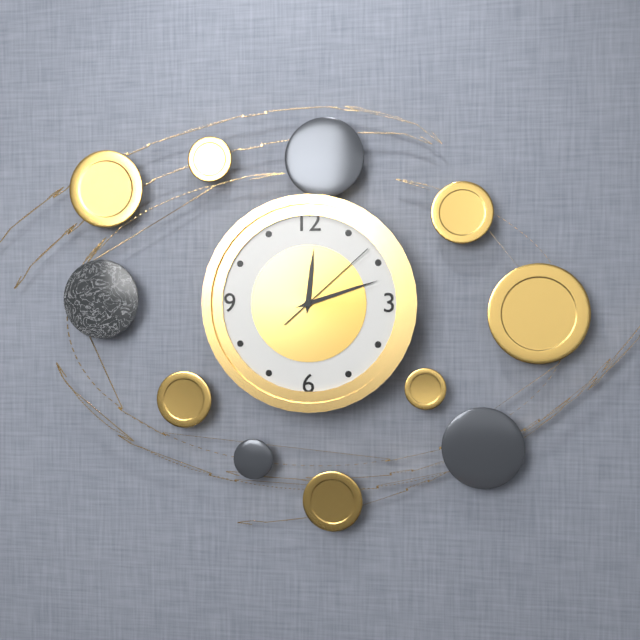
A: 12:12:08
